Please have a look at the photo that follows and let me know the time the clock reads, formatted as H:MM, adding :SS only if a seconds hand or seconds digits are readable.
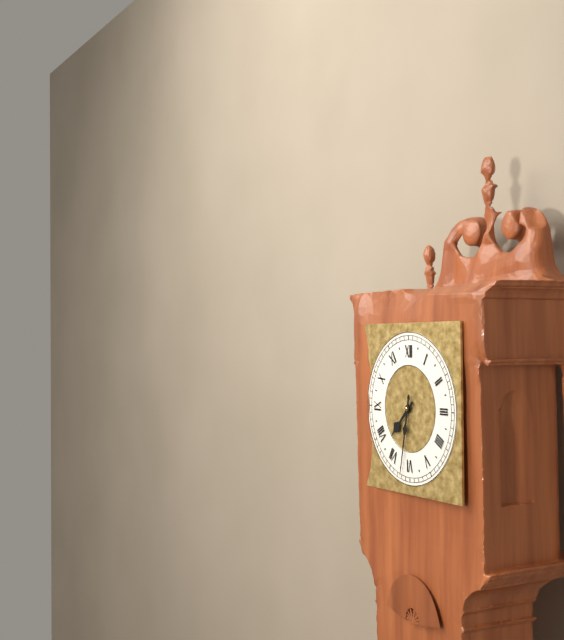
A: 7:32
